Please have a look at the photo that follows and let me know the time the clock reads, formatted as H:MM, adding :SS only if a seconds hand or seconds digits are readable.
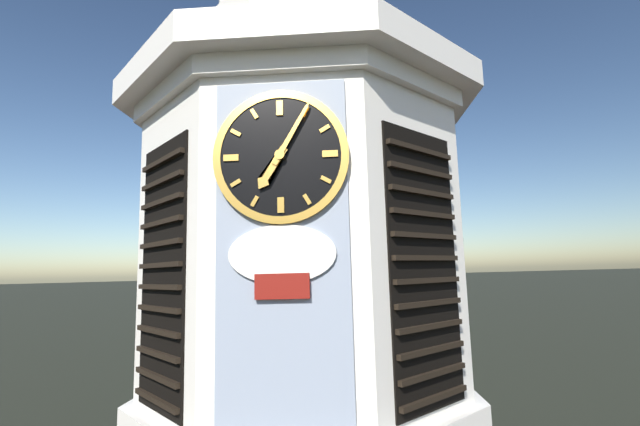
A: 7:05
